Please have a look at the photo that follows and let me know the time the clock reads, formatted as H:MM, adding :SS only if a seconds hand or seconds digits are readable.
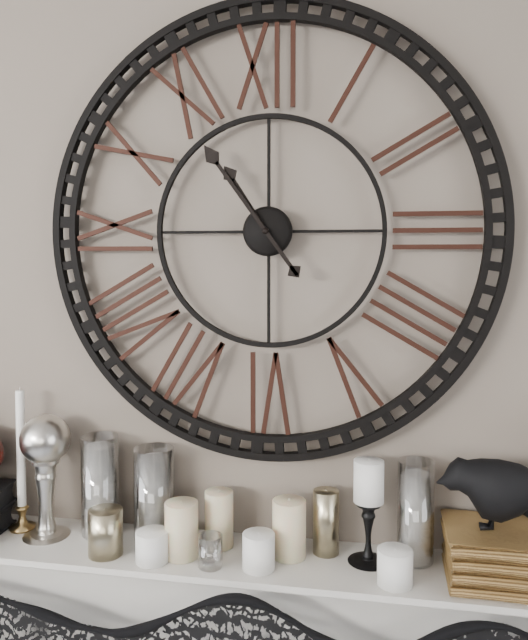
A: 10:54
